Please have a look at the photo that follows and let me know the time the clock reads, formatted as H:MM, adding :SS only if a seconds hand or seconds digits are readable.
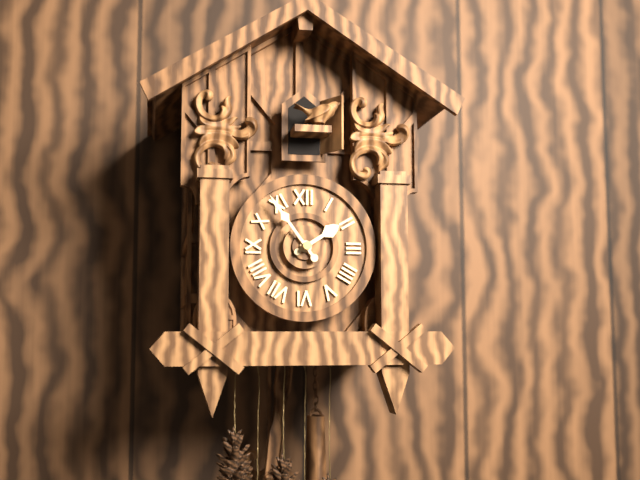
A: 1:54
